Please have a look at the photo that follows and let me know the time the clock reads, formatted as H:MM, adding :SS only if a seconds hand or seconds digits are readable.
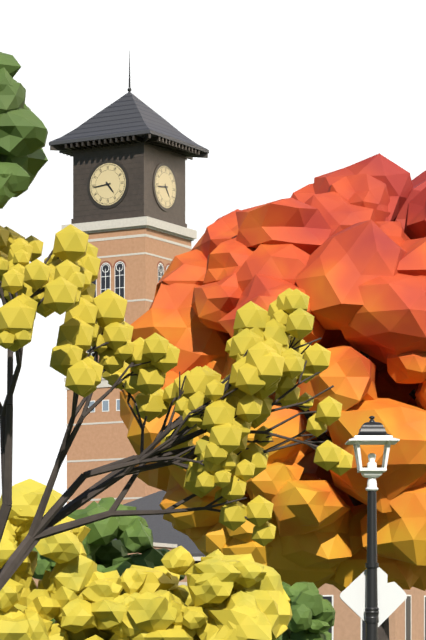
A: 4:44
